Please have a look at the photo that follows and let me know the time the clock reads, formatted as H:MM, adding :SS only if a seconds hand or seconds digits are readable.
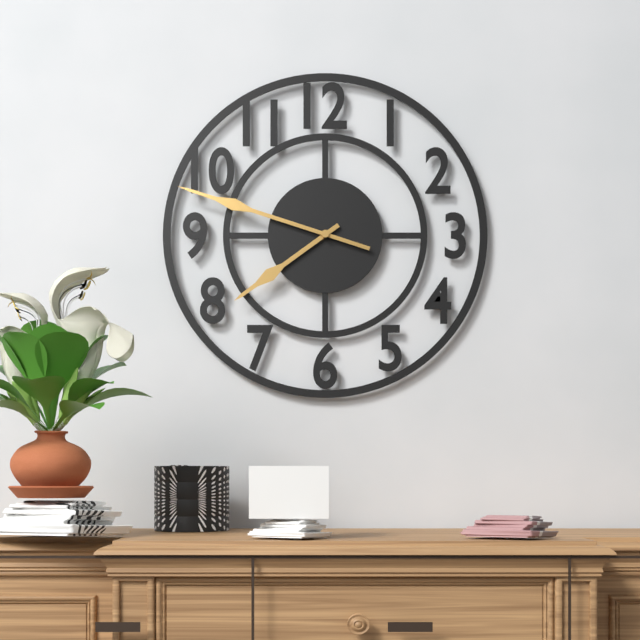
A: 7:48
